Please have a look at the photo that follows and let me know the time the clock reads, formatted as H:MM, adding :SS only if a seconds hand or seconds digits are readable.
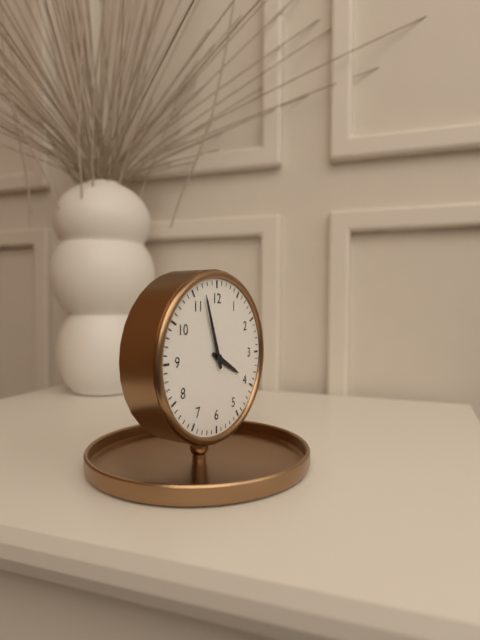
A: 3:57
